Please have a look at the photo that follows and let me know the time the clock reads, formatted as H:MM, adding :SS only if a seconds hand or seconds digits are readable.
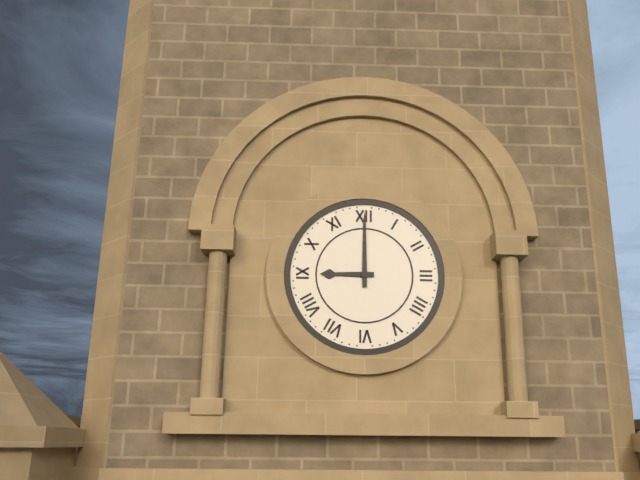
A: 9:00
